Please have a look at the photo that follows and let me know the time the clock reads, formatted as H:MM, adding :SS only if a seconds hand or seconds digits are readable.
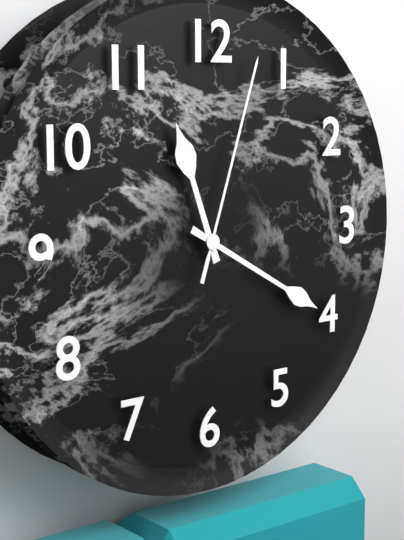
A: 11:20:03
